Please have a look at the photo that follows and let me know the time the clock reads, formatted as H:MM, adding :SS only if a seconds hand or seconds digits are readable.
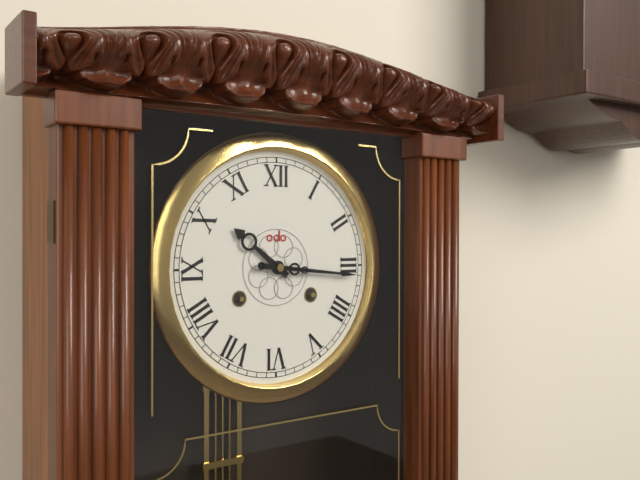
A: 10:16
